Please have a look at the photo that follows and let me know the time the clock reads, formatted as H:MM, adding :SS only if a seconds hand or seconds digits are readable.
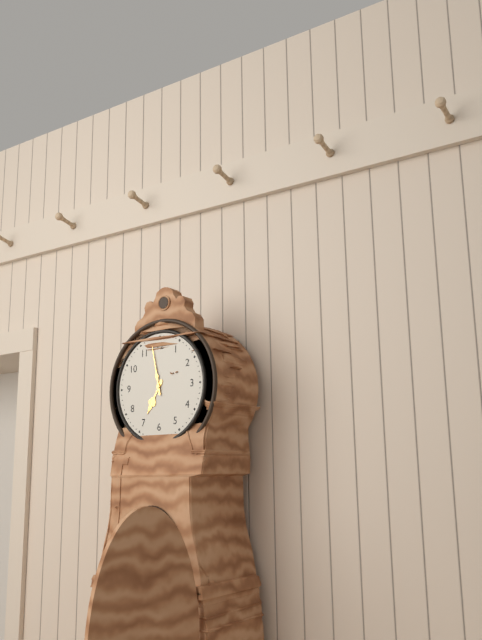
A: 6:58
